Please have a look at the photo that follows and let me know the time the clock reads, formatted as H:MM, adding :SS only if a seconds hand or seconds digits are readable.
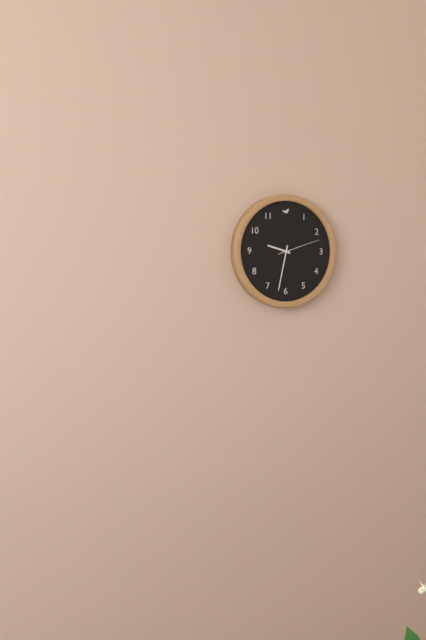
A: 9:32:12
